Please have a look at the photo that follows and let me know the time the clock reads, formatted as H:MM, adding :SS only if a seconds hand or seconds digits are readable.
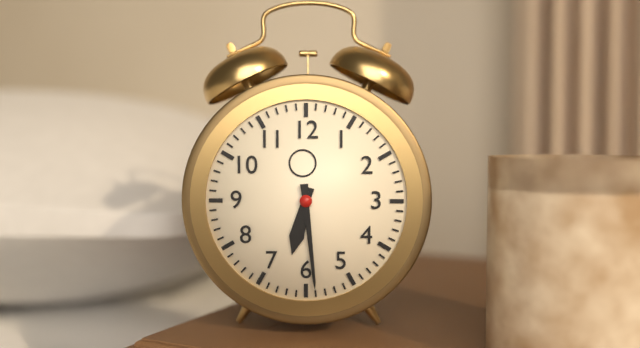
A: 6:29
